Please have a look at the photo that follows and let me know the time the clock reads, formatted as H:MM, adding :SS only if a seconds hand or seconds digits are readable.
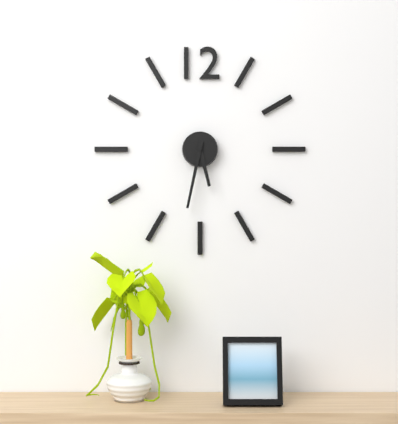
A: 5:32
